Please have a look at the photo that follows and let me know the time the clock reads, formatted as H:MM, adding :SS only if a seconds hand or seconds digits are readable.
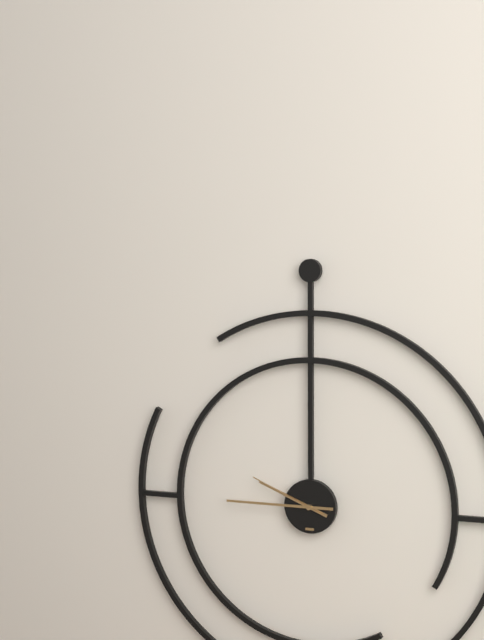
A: 9:45:49
